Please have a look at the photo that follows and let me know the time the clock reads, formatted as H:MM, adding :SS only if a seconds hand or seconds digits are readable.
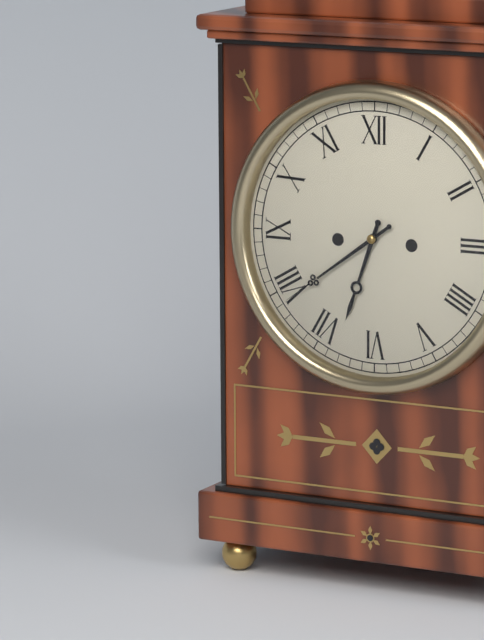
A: 6:39
